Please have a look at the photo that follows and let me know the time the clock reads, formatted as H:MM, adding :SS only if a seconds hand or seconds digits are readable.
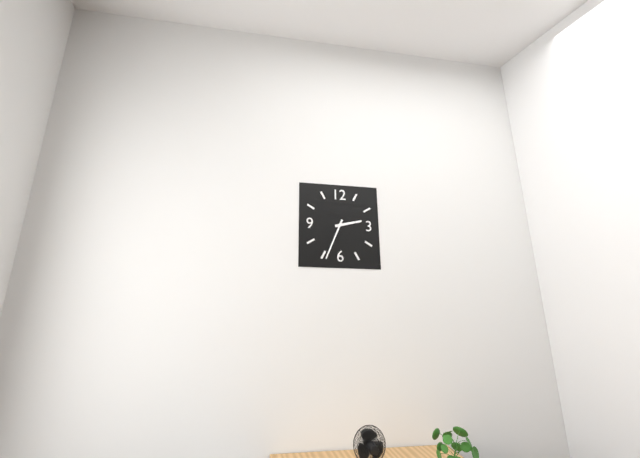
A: 2:34
